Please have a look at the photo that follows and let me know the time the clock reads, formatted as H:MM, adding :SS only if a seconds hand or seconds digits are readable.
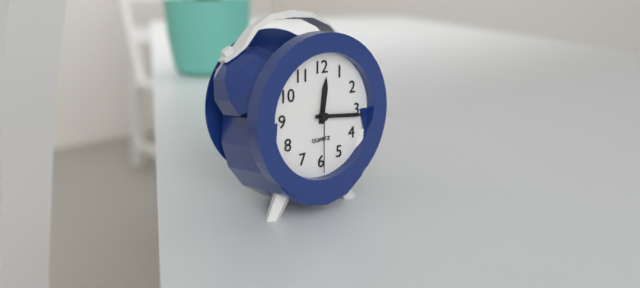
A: 12:16:30
